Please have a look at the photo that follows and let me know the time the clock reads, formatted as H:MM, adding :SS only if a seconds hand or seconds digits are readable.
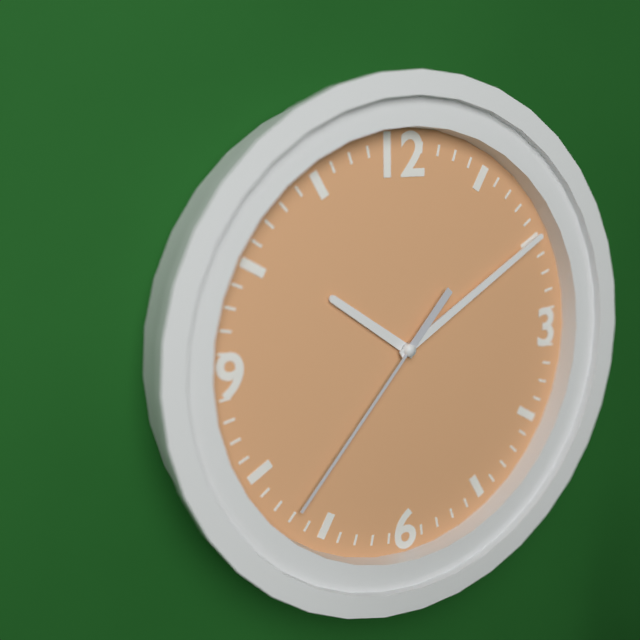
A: 10:10:37
